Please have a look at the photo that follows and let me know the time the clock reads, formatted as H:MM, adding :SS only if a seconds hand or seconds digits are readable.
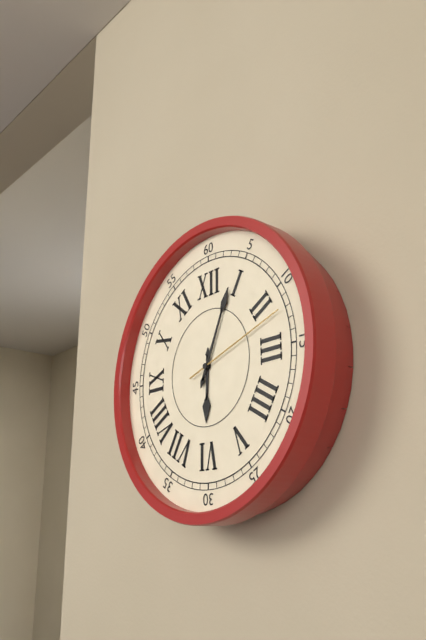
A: 6:04:12
